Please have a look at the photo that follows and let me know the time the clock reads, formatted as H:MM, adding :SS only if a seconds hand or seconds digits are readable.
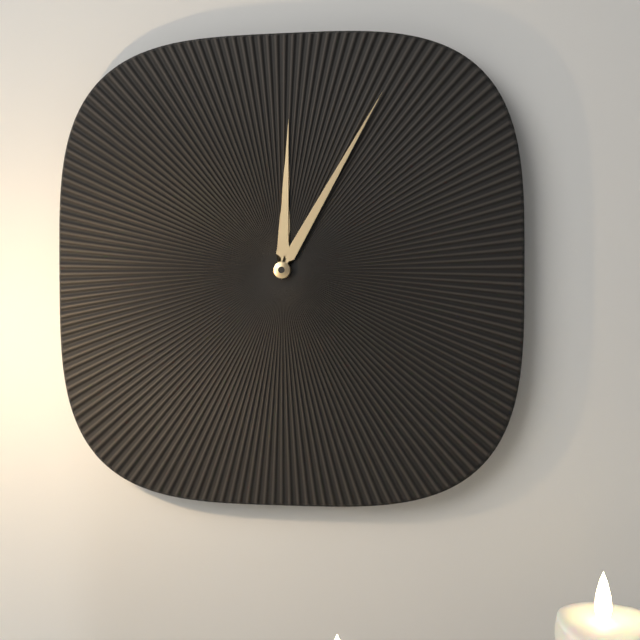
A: 12:05
